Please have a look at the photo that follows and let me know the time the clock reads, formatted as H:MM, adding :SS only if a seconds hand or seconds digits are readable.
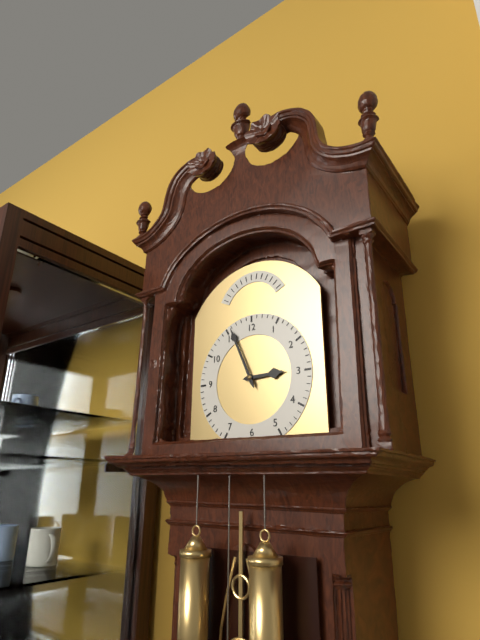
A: 2:56
